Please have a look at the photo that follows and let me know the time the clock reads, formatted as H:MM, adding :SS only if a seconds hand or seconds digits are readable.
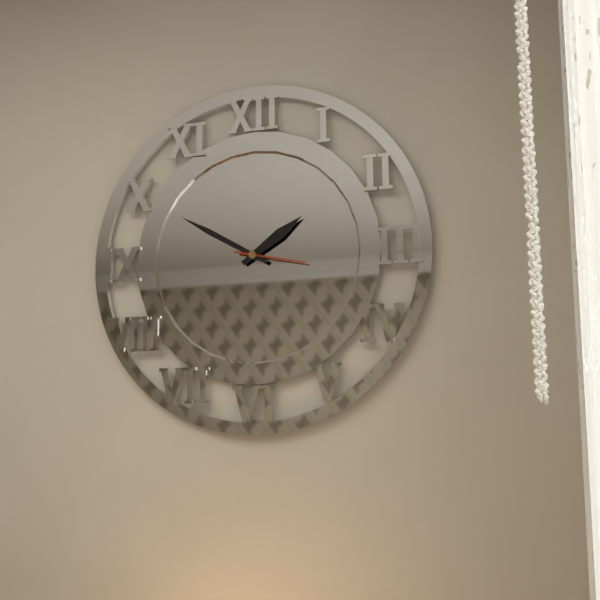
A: 1:50:17
